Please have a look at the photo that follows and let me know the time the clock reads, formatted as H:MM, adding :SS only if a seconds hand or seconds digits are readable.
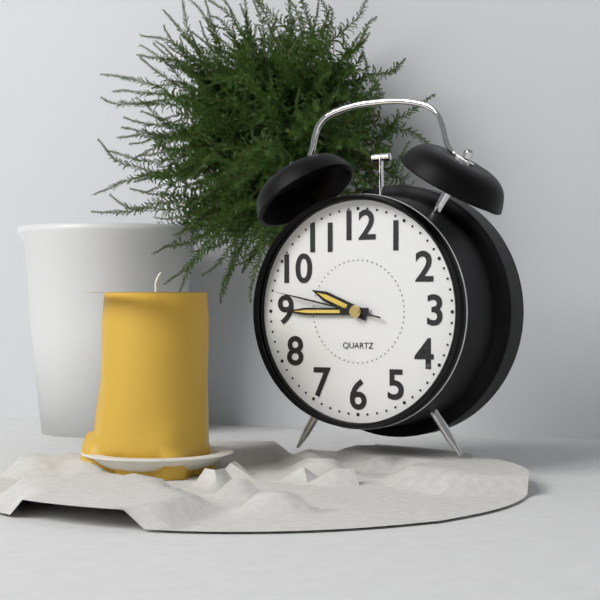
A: 9:45:47
